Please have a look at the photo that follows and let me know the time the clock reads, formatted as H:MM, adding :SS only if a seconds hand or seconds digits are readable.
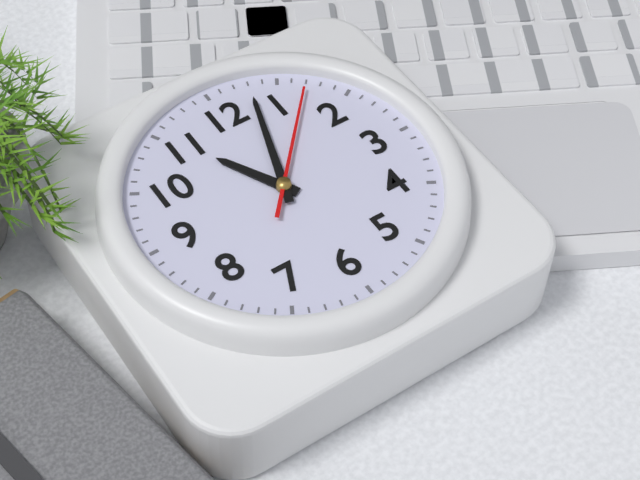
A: 11:03:07
